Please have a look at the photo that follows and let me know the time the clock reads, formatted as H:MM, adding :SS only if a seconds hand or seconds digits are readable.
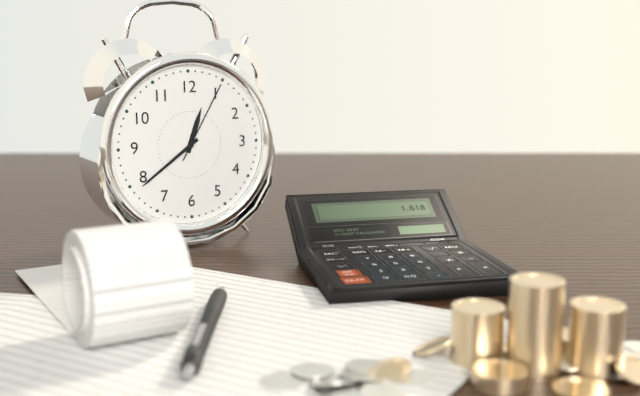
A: 12:39:05
